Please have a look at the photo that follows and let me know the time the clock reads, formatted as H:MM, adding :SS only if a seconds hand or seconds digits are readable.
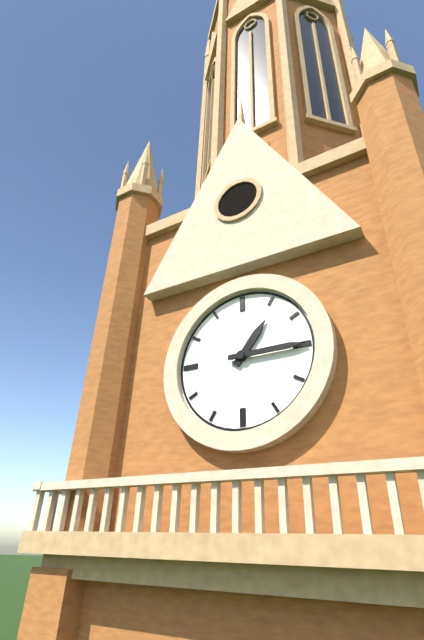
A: 1:15
